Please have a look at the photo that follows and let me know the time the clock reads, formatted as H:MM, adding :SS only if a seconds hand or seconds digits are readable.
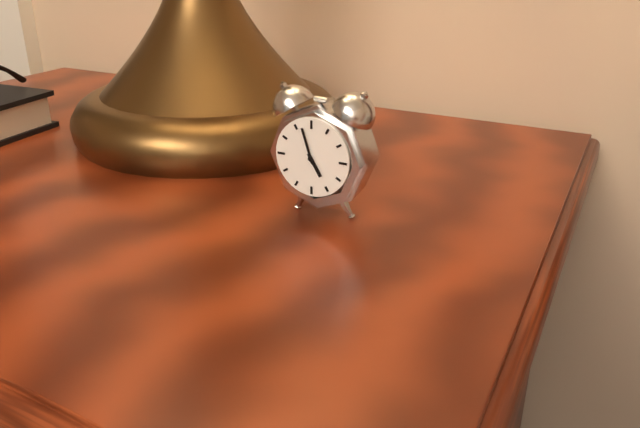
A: 4:57
